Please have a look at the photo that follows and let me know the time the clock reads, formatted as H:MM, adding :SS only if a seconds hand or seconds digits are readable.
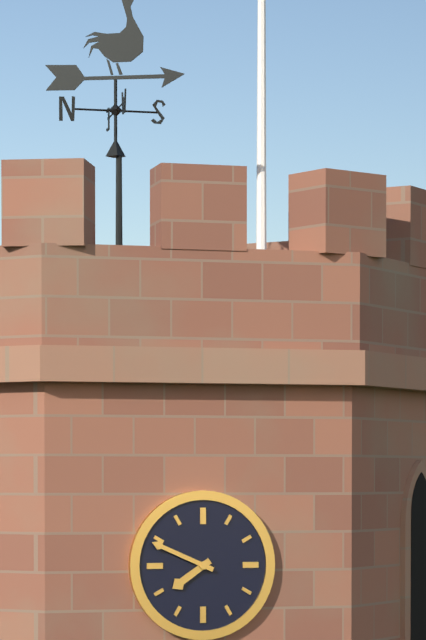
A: 7:49
